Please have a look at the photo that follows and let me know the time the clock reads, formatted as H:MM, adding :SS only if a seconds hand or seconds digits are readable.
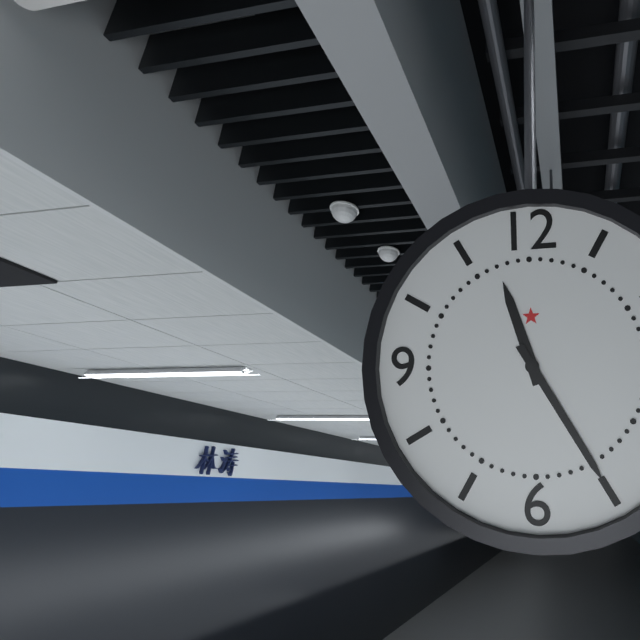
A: 11:25
